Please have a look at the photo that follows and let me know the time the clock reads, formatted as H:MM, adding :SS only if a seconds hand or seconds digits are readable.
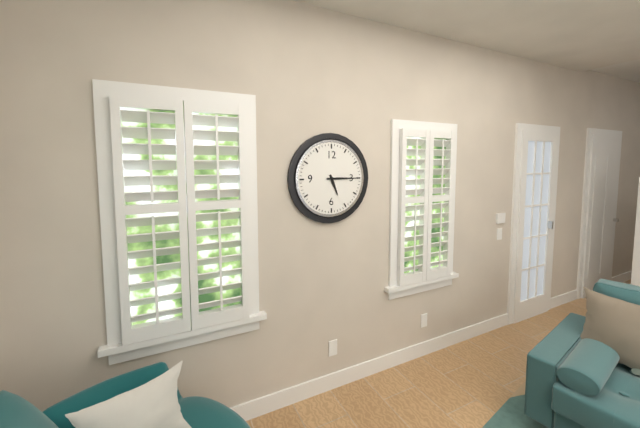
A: 5:15
